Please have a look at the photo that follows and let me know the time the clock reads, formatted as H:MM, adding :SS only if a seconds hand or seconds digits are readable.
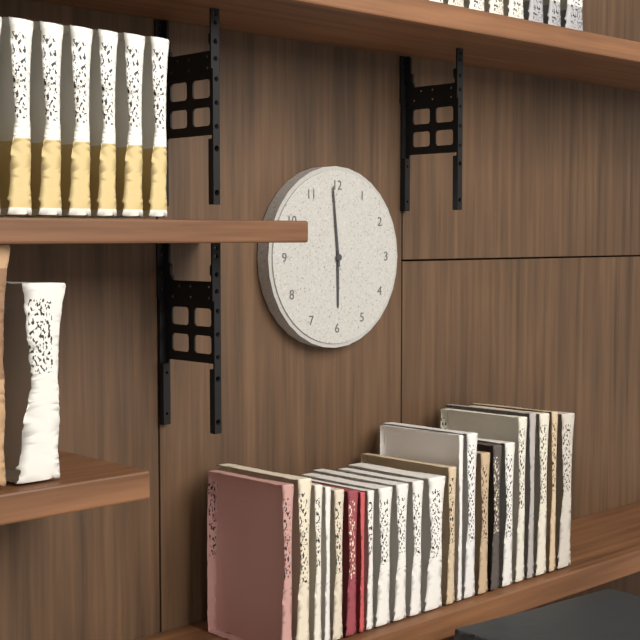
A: 5:59
